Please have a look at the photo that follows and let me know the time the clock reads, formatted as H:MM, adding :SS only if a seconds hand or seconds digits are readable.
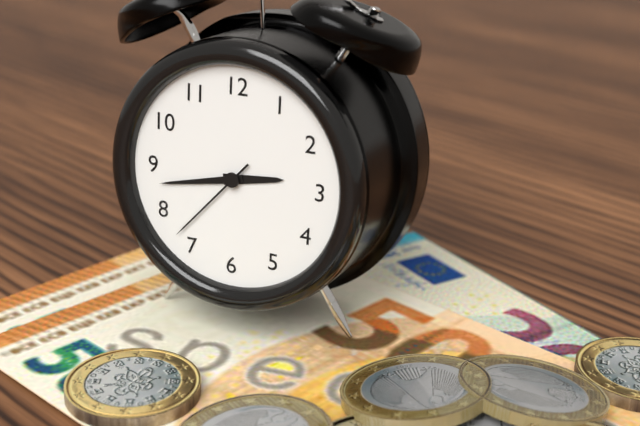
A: 2:43:37
